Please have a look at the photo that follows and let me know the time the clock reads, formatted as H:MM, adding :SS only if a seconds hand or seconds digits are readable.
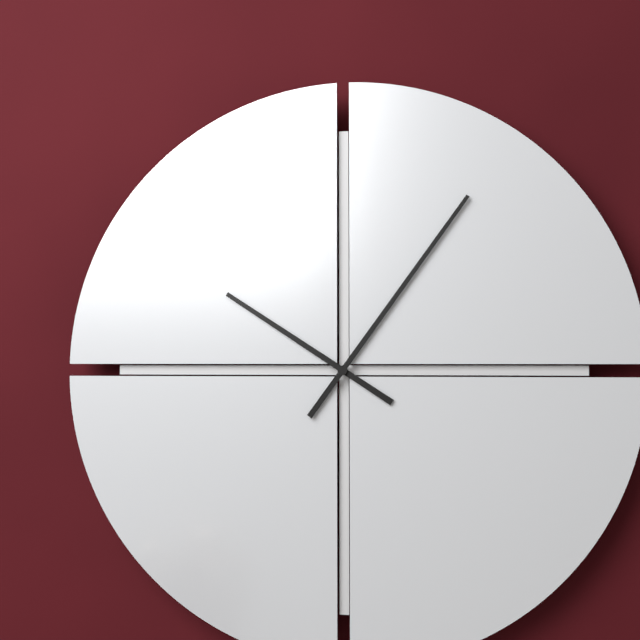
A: 10:06
